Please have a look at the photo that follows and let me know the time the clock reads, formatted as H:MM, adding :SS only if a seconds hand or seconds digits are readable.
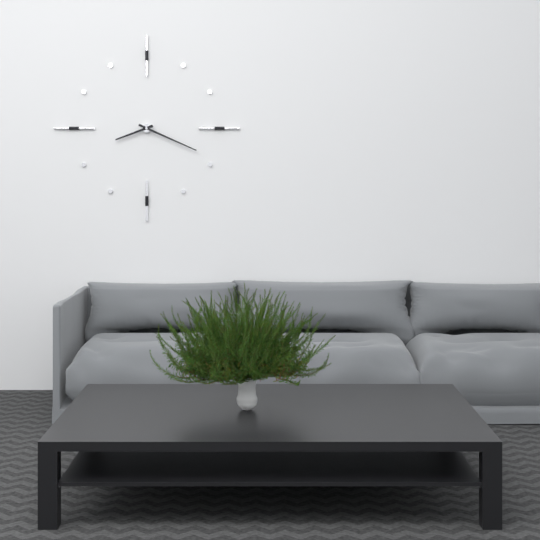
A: 8:19
